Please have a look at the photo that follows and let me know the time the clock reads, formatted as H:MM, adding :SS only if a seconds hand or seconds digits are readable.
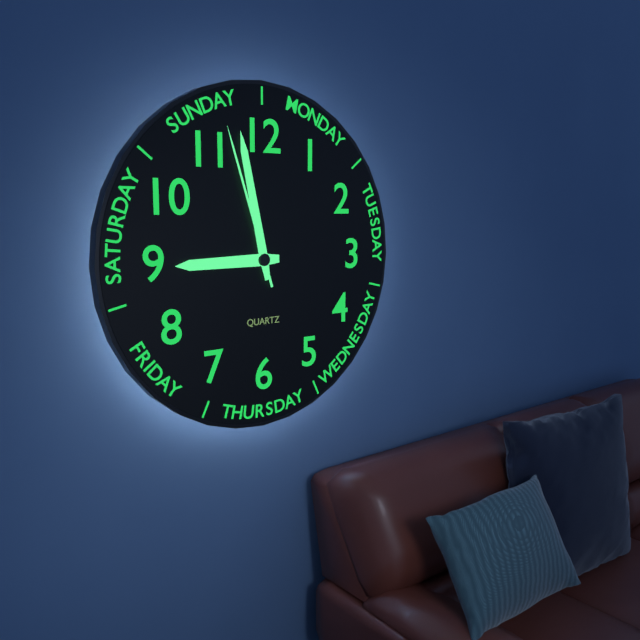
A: 8:58:57
